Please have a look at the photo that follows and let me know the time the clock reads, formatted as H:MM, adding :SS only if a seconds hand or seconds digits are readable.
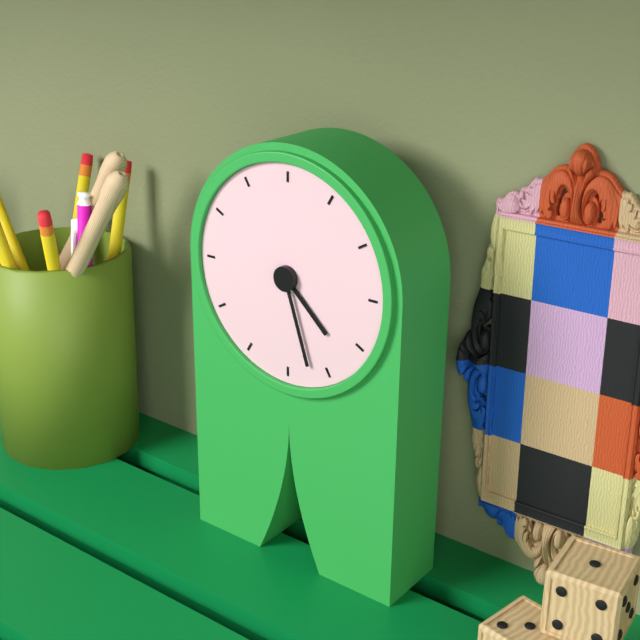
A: 4:27
